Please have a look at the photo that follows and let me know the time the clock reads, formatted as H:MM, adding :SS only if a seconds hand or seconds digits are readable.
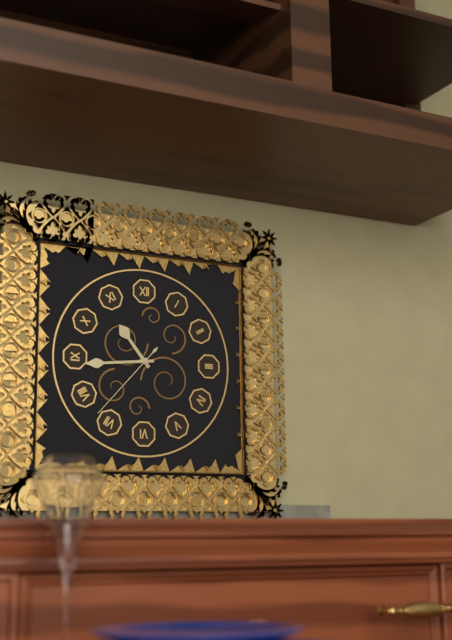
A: 10:44:37
